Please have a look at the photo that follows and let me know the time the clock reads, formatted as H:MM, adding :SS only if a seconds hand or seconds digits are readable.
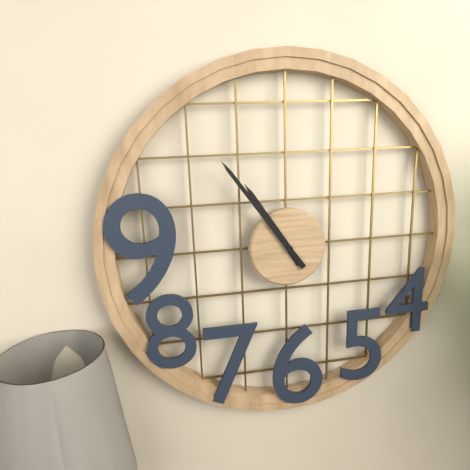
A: 10:54
